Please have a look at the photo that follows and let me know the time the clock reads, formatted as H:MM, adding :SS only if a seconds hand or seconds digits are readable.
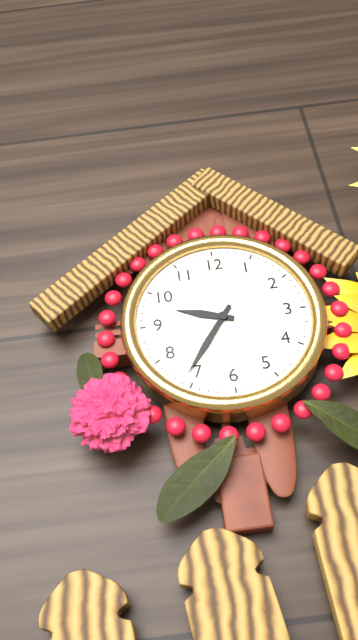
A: 9:36
